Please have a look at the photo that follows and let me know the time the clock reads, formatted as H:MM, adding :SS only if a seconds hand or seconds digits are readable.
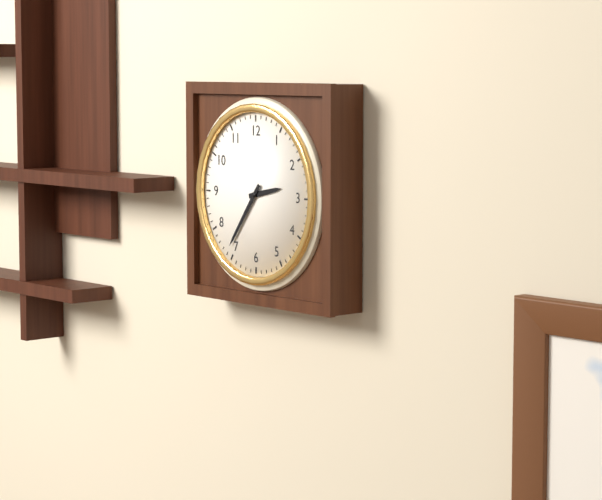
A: 2:36
